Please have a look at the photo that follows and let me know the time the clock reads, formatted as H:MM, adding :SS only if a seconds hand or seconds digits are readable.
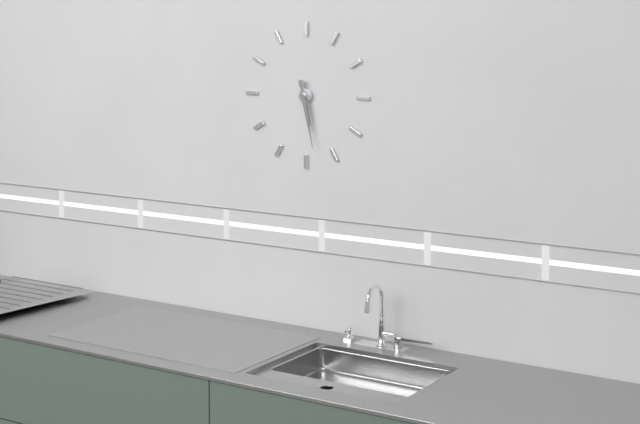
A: 5:28
